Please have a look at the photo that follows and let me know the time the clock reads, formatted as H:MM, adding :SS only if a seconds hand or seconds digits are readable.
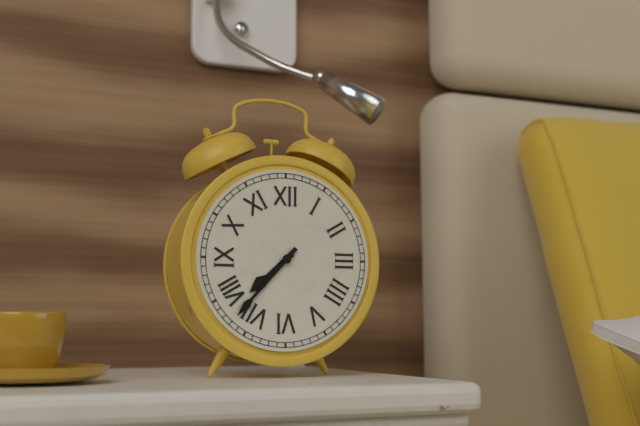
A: 7:37
